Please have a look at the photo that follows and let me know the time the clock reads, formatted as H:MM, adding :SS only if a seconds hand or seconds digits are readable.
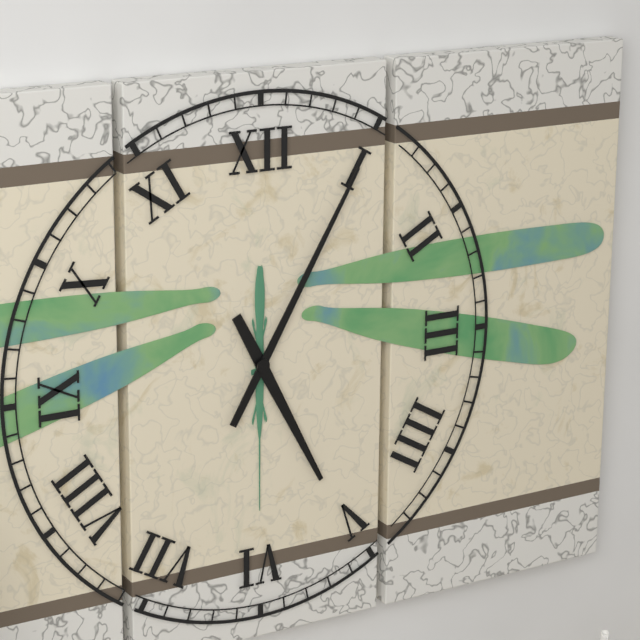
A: 5:05
